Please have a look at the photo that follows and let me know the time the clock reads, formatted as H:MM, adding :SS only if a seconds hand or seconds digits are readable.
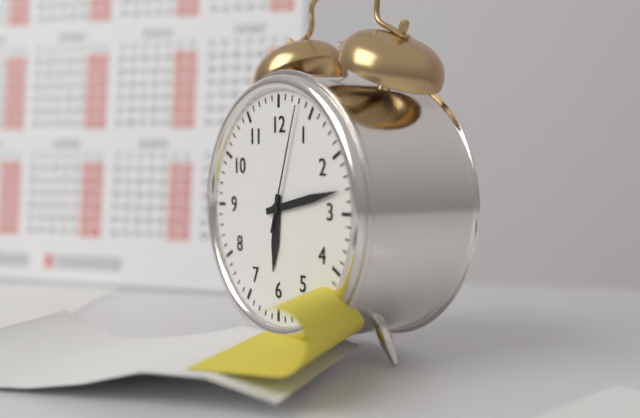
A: 6:13:03
